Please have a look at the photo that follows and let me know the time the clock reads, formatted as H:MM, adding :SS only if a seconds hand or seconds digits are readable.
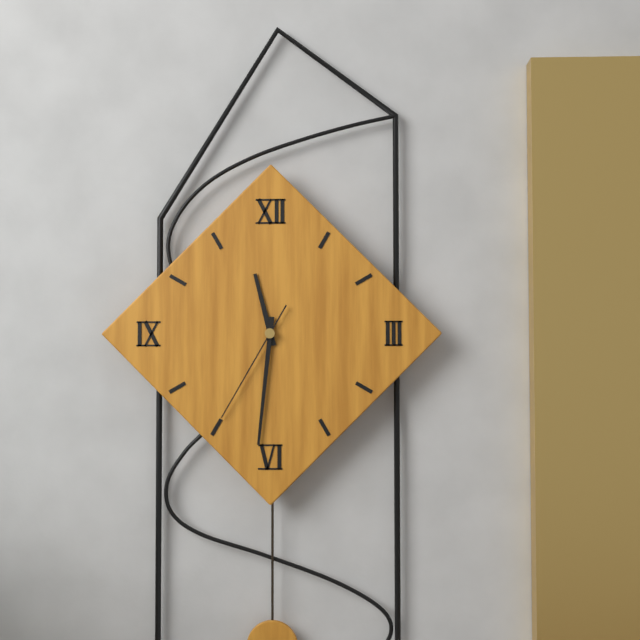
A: 11:31:35
